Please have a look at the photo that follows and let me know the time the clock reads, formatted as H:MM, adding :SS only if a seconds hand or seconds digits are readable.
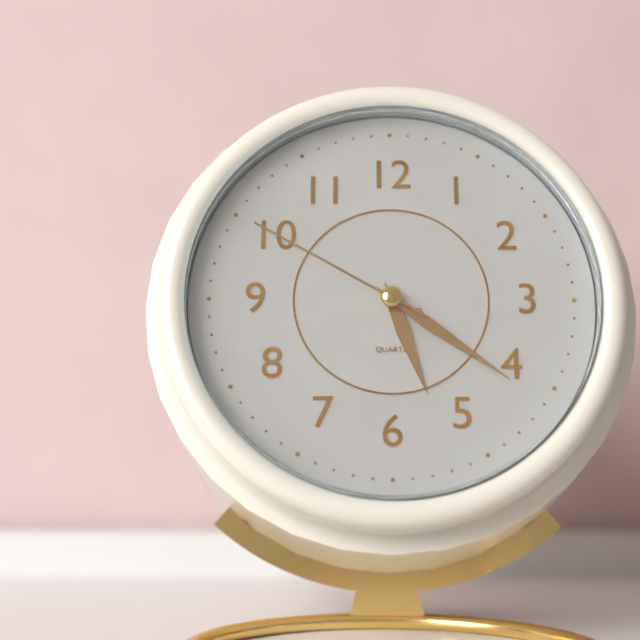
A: 5:21:50
